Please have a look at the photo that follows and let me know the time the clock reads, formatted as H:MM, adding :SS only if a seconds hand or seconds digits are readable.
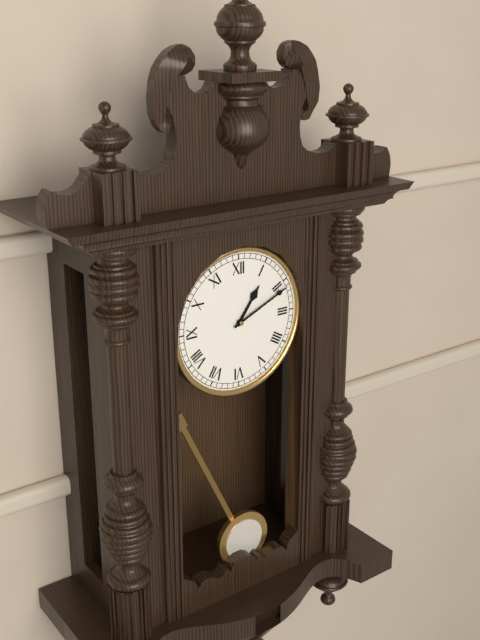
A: 1:11
